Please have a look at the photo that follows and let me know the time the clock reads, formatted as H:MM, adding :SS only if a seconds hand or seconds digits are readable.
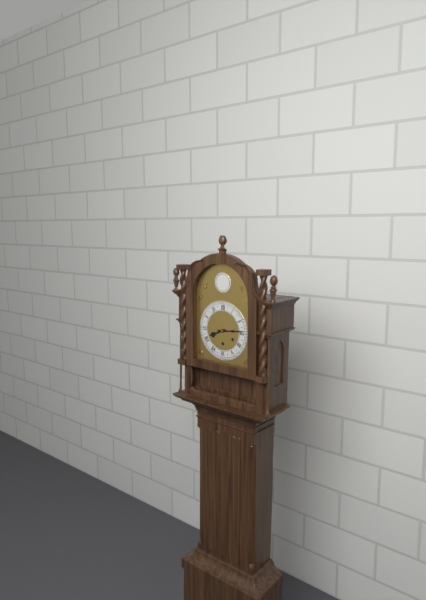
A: 8:14
